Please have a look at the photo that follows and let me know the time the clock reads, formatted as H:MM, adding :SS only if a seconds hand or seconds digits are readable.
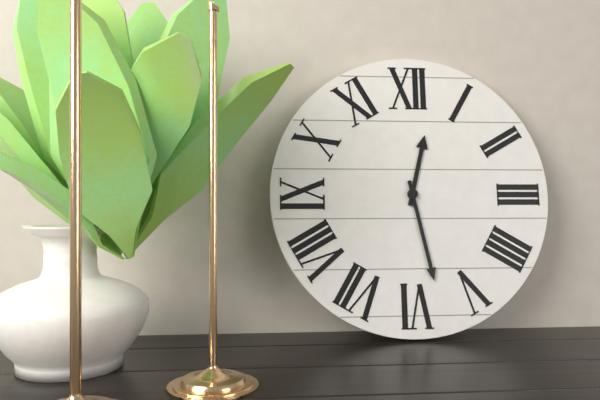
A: 12:28
